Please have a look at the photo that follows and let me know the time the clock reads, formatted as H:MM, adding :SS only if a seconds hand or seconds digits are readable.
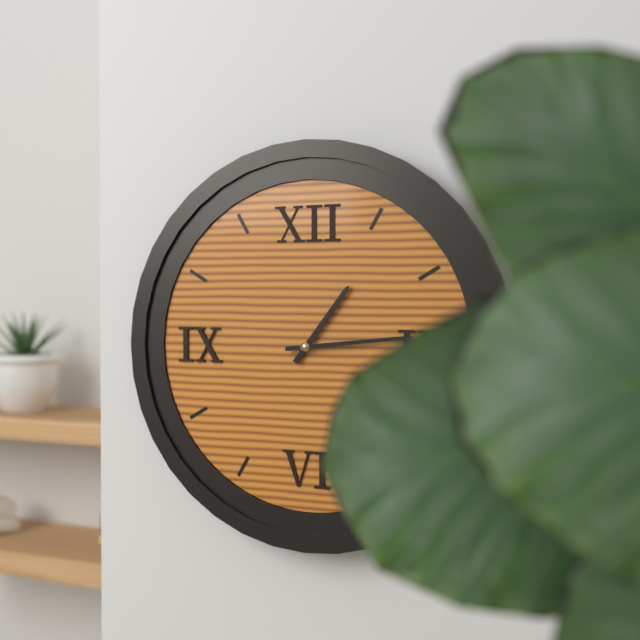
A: 1:14
